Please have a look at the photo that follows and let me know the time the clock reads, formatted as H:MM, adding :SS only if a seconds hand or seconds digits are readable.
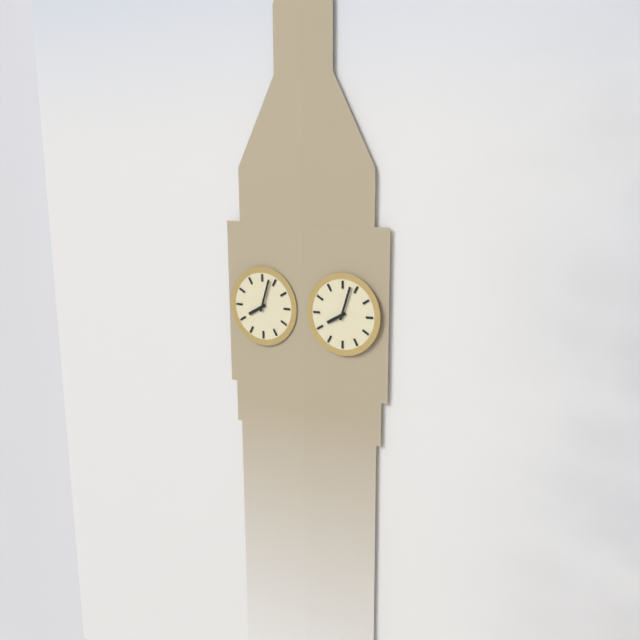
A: 8:03
